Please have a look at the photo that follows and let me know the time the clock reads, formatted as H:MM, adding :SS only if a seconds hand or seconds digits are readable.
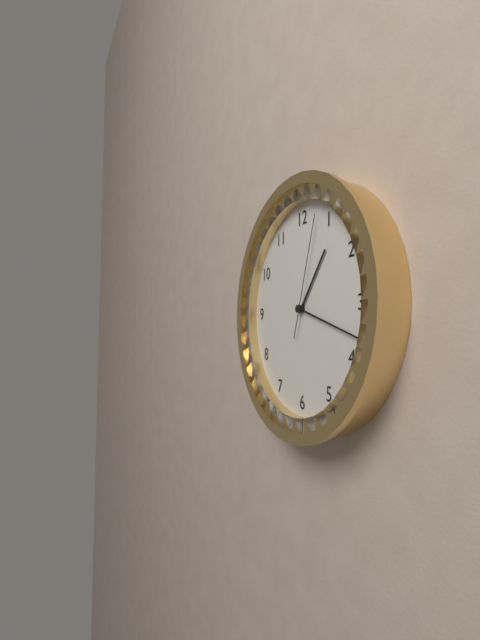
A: 1:18:03
